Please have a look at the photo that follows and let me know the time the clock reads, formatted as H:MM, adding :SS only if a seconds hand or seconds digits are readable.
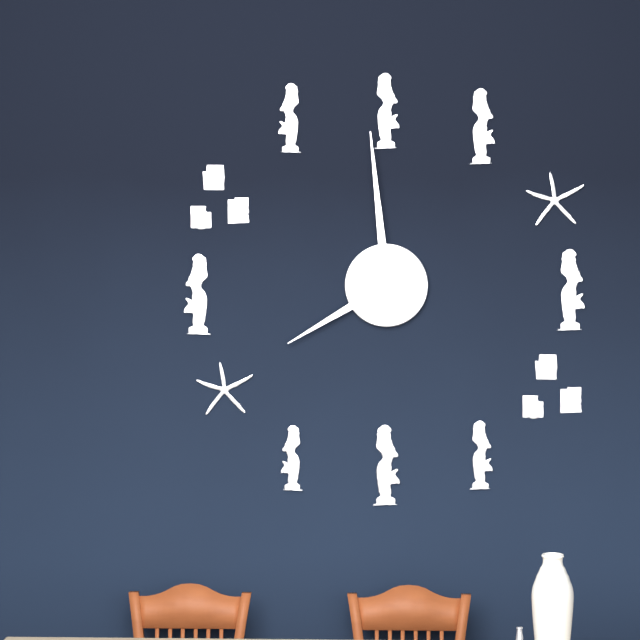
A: 7:59
